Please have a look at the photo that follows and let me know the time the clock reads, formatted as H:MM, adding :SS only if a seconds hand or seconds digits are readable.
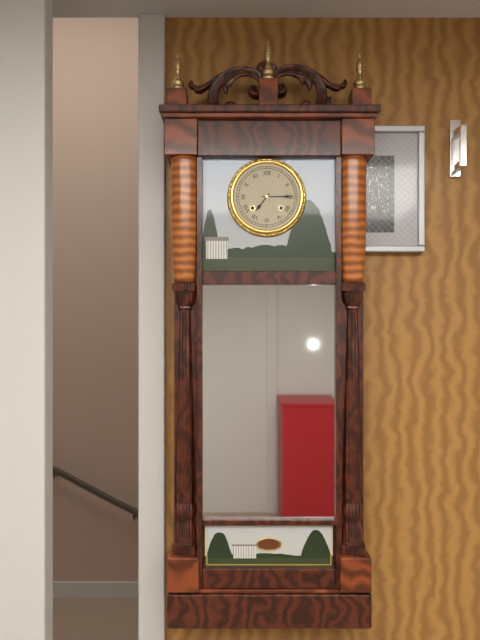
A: 7:15
